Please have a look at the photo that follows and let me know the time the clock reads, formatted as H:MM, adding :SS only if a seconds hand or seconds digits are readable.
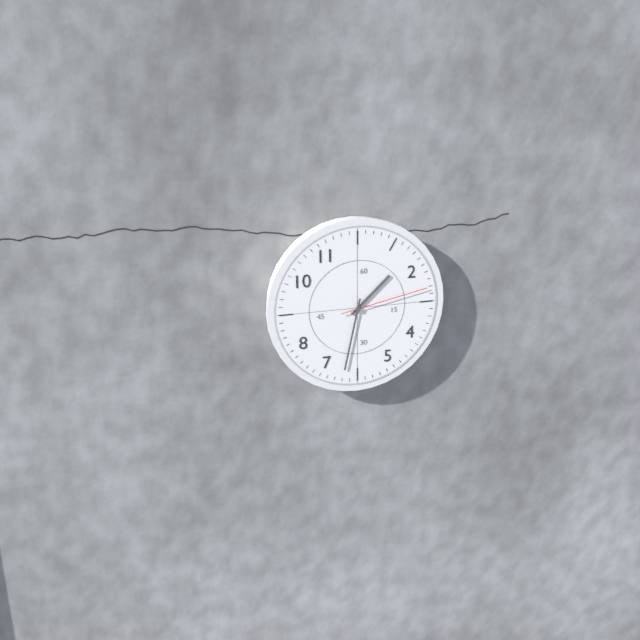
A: 1:32:13
